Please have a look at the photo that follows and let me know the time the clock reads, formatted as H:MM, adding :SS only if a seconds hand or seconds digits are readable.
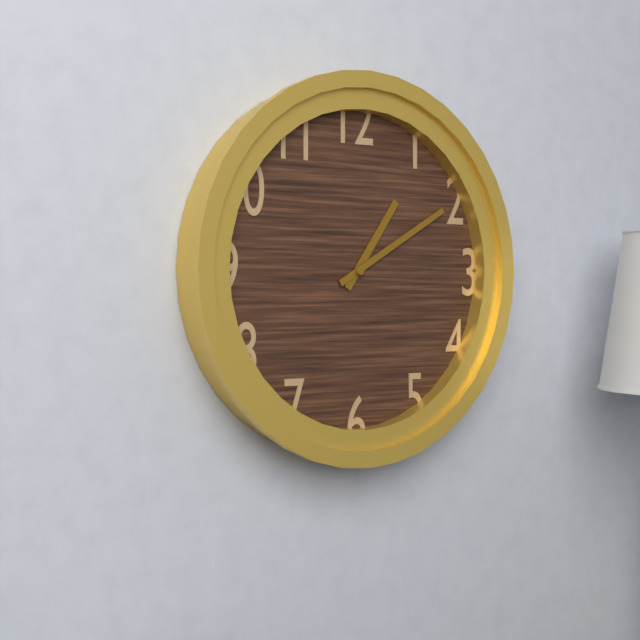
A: 1:10
